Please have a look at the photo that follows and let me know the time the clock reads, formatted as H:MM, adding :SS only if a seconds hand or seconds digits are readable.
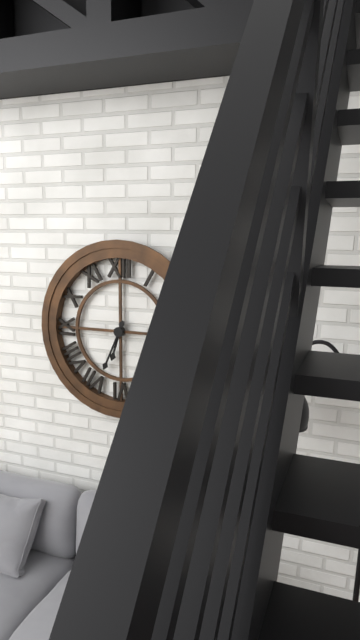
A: 6:34
